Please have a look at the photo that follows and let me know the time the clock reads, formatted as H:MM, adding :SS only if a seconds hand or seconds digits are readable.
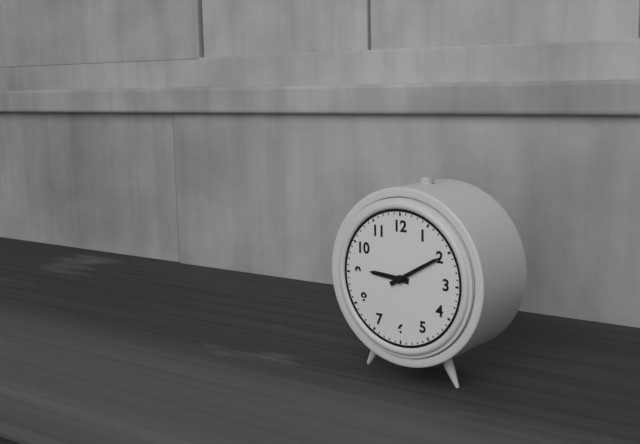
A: 9:10
